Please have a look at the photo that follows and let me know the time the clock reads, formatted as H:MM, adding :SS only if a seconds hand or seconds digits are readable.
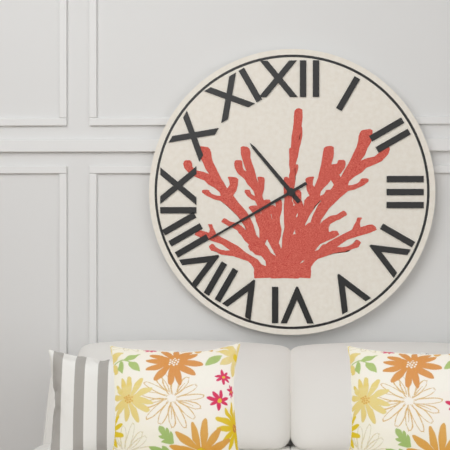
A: 10:40
